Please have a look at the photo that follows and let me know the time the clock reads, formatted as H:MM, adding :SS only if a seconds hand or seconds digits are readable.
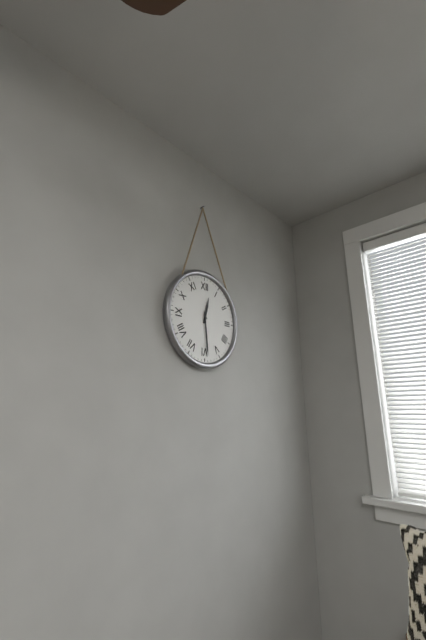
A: 12:29
